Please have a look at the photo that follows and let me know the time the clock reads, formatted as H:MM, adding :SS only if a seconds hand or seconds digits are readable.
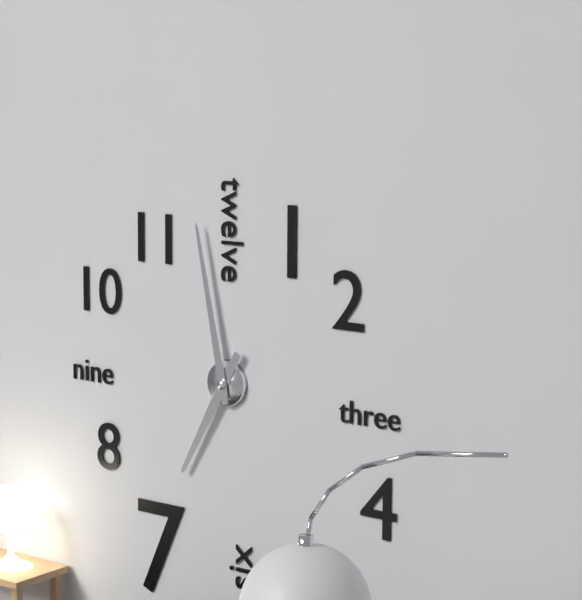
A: 6:58
